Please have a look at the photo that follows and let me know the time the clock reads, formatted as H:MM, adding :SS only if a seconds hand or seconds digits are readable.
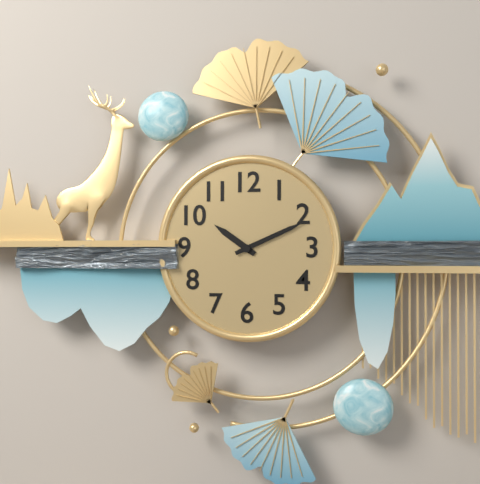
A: 10:11
